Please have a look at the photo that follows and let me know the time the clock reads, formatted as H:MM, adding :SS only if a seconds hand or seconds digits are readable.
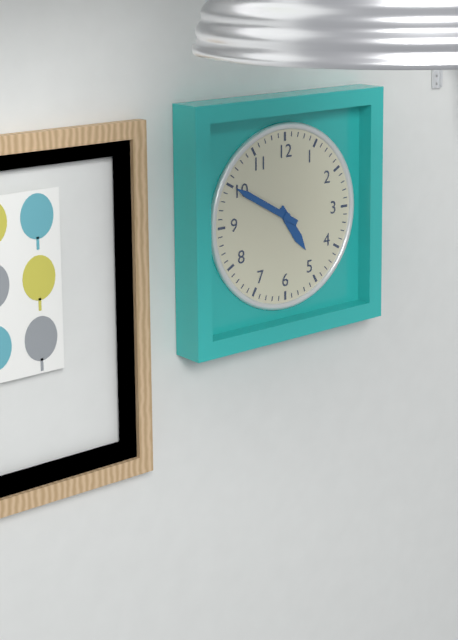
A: 4:50
